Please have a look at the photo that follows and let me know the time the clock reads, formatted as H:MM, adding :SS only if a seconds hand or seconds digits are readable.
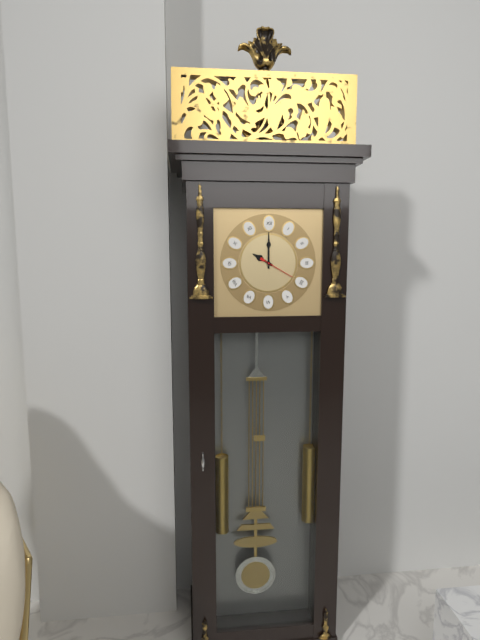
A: 10:00
